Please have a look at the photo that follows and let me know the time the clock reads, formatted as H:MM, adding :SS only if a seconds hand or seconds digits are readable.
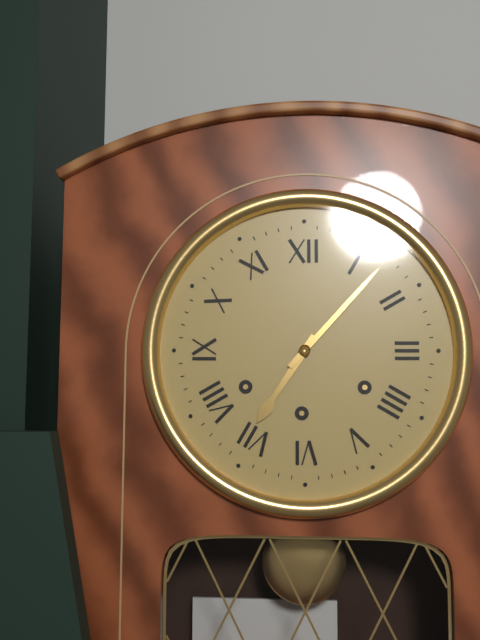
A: 7:07
